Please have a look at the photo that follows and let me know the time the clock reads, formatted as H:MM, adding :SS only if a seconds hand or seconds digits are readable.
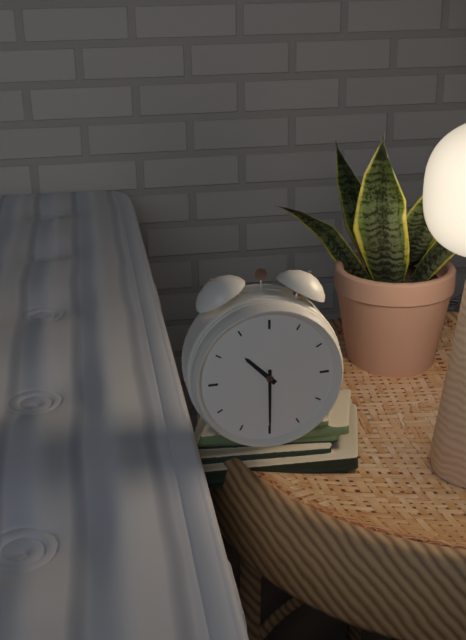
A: 10:30
